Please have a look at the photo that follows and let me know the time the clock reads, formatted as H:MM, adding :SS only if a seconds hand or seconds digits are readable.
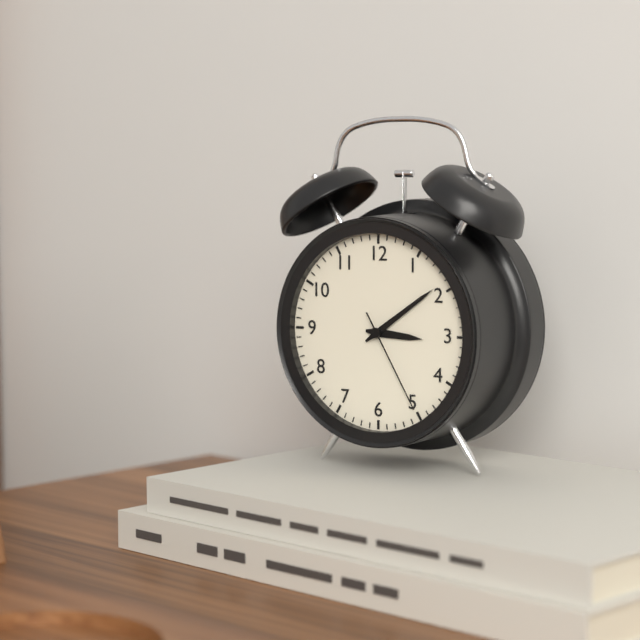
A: 3:09:25
